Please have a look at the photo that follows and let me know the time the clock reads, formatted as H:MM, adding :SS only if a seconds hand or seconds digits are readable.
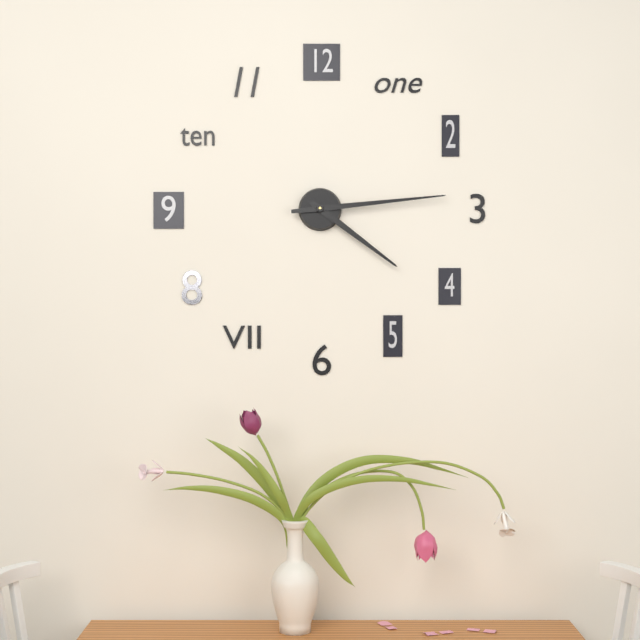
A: 4:14
